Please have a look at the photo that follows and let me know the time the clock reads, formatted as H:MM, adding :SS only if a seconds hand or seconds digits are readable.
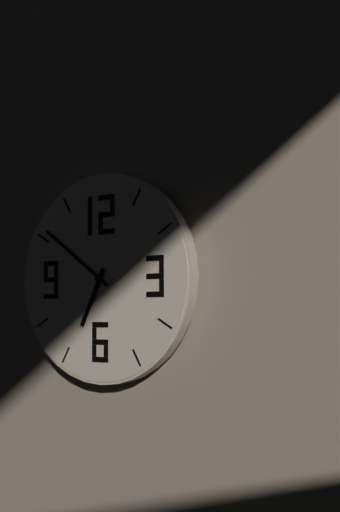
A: 6:51
